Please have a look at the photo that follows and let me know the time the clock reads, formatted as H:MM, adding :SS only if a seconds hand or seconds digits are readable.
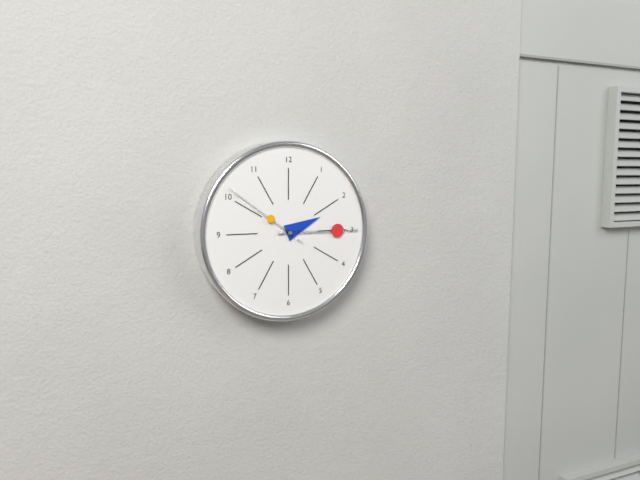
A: 2:15:51
